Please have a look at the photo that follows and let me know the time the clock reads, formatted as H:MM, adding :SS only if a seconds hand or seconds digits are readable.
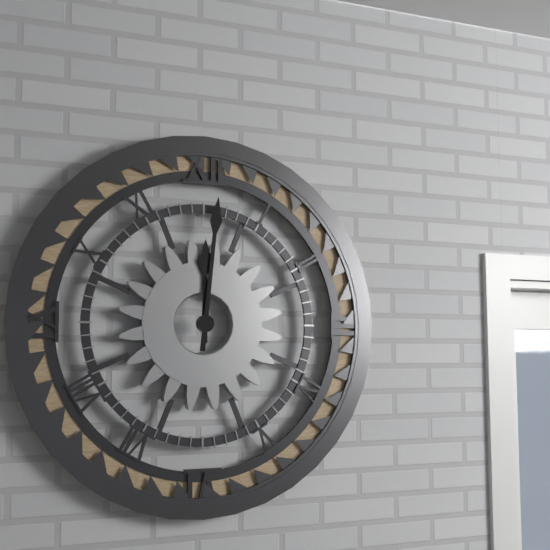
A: 12:01
